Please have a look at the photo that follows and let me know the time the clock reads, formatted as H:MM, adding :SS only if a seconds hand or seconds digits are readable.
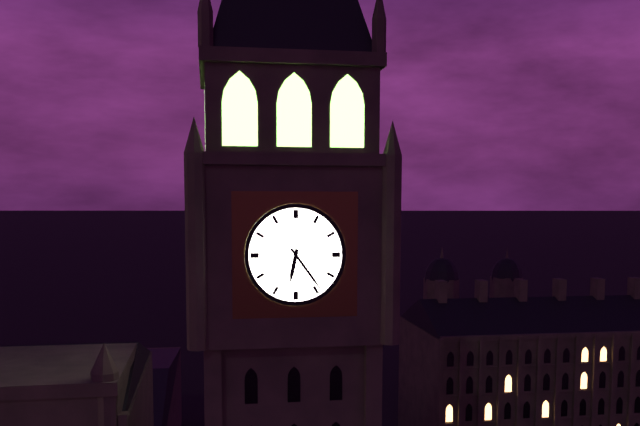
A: 6:24
